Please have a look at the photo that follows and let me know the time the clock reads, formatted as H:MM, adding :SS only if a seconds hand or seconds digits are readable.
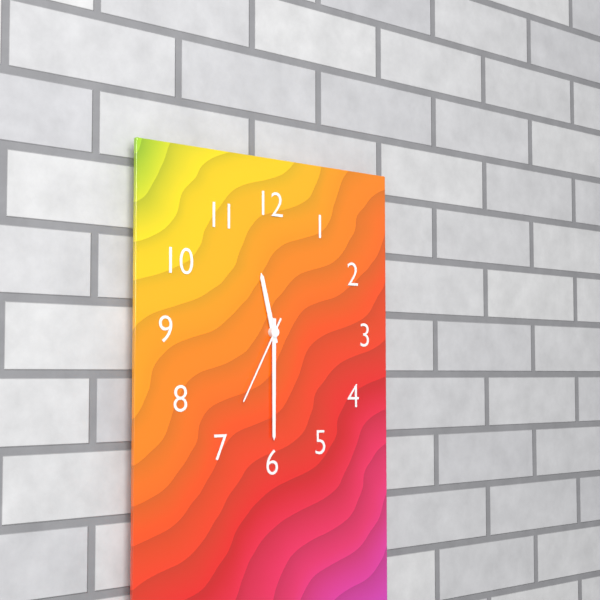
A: 11:30:35
